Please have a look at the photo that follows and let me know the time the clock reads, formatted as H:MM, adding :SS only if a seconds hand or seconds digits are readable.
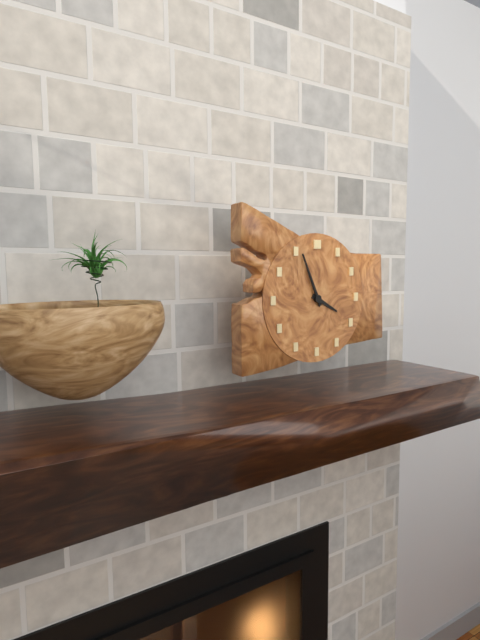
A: 3:56
